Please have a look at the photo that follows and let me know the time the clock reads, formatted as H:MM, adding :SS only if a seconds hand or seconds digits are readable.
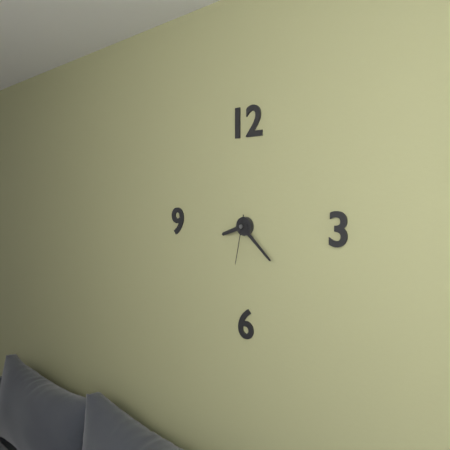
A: 8:22
